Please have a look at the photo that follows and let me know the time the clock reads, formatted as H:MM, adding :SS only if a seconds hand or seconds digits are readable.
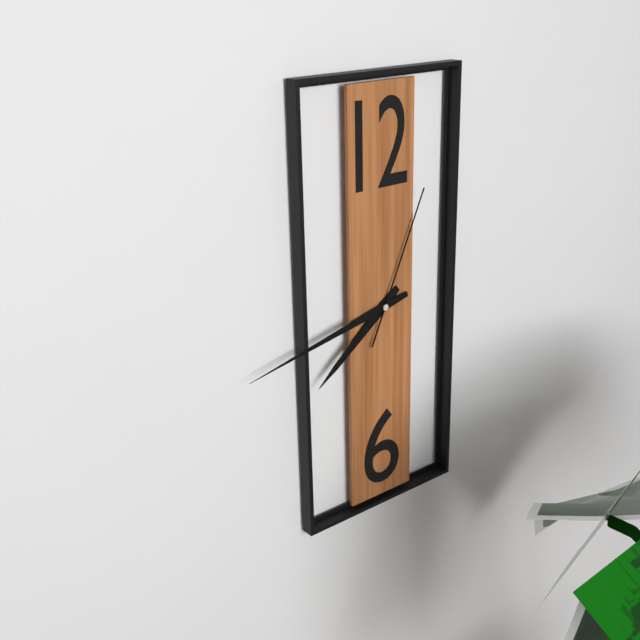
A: 7:43:04
